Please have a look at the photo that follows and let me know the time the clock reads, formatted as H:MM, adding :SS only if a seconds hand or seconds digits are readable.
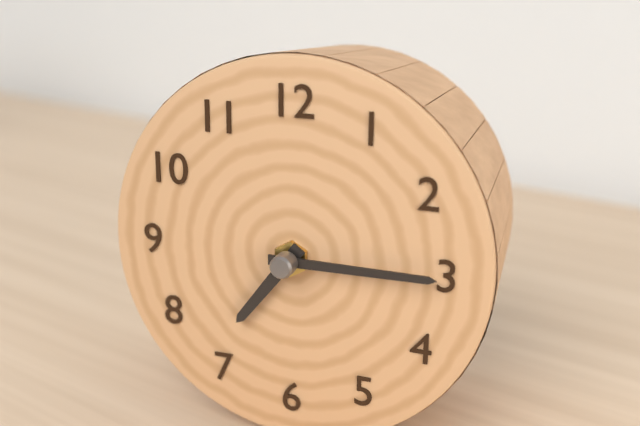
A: 7:15
